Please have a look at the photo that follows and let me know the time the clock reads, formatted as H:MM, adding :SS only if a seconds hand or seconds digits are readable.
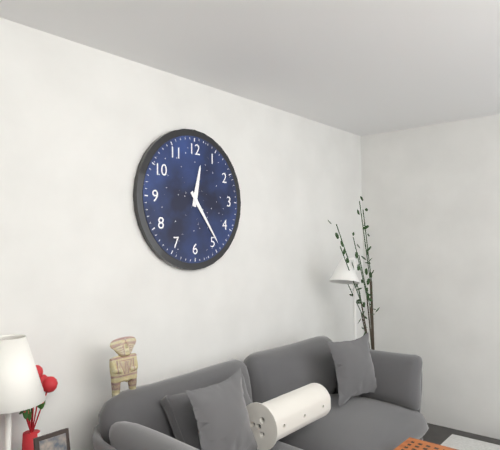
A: 12:24
